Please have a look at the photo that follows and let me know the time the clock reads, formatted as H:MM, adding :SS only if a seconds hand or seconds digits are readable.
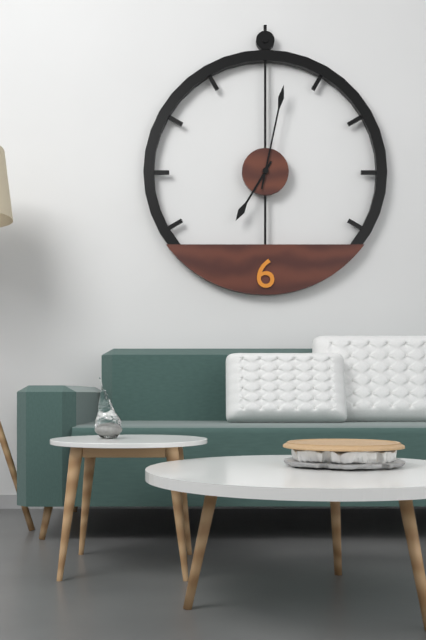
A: 7:02
